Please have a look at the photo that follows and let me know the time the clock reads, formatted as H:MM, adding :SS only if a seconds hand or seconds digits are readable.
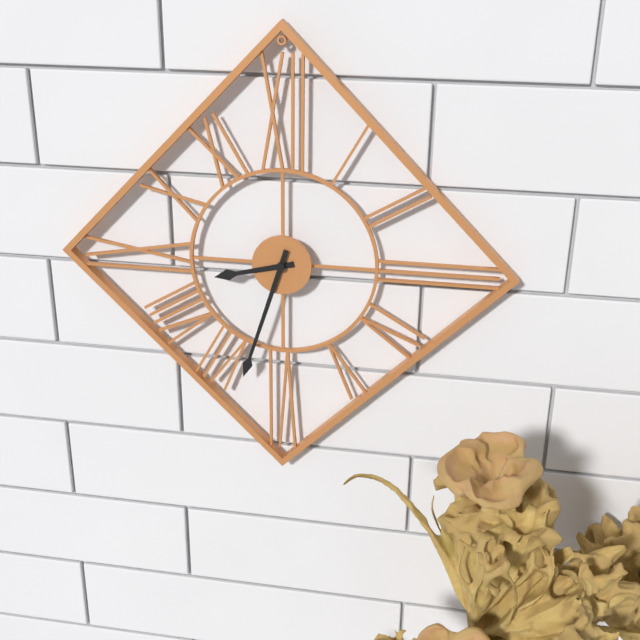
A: 8:33
